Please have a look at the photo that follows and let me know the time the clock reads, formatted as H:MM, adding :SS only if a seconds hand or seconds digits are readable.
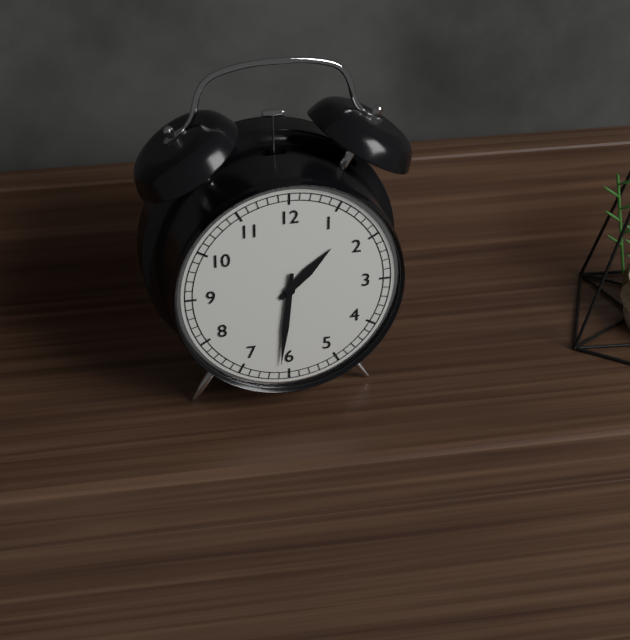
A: 1:31
